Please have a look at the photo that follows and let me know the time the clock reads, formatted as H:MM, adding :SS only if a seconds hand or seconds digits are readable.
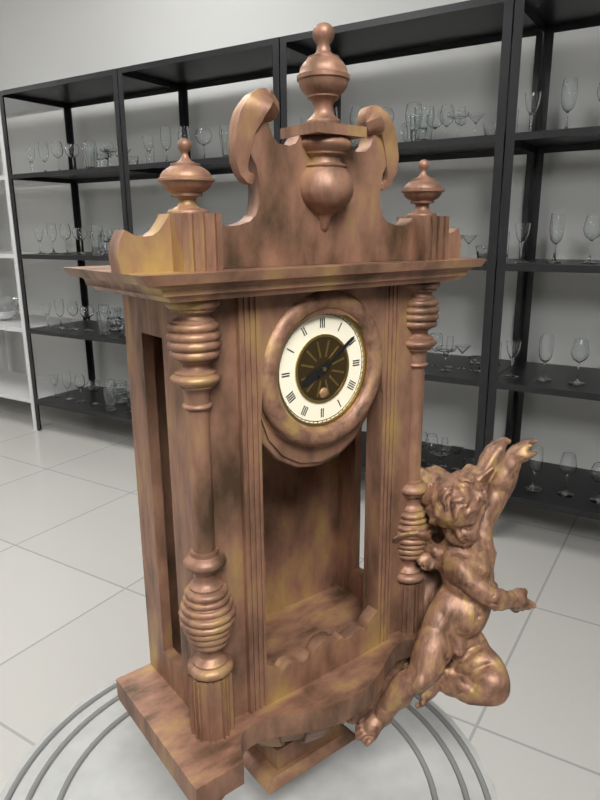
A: 8:09
